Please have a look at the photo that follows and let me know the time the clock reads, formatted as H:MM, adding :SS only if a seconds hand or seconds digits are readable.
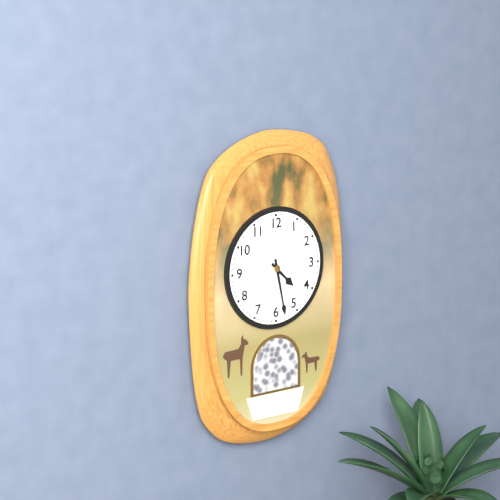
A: 4:28
